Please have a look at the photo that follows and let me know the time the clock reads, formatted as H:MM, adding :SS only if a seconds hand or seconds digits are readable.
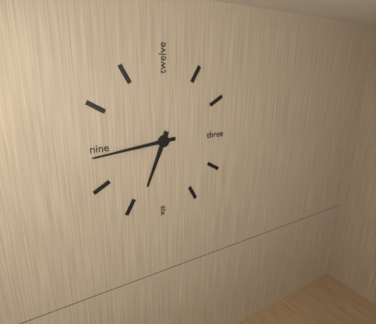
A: 6:44
